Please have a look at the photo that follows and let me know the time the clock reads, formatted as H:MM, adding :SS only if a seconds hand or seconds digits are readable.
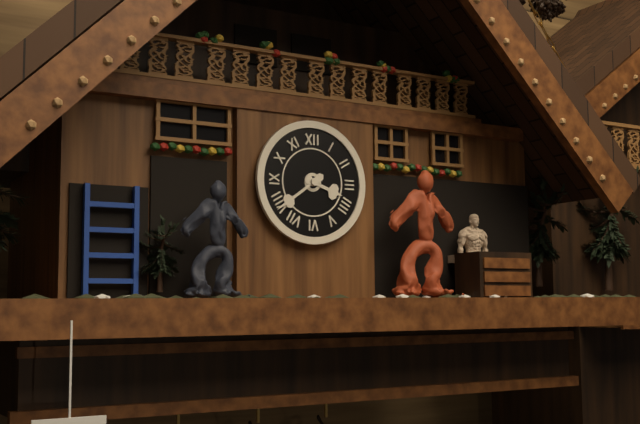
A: 3:39
